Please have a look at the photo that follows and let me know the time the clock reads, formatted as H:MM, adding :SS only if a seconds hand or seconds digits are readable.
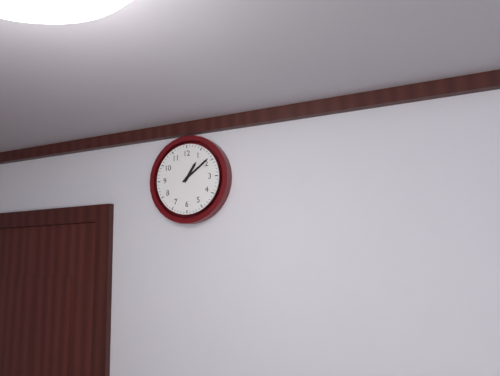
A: 1:09
